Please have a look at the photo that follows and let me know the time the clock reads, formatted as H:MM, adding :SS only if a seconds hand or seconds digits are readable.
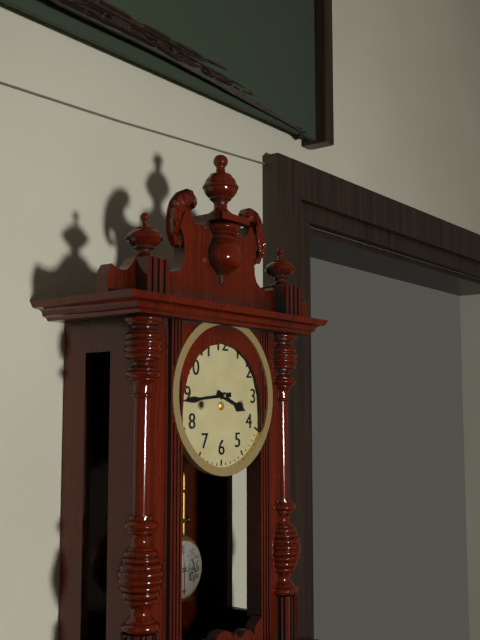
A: 3:44
